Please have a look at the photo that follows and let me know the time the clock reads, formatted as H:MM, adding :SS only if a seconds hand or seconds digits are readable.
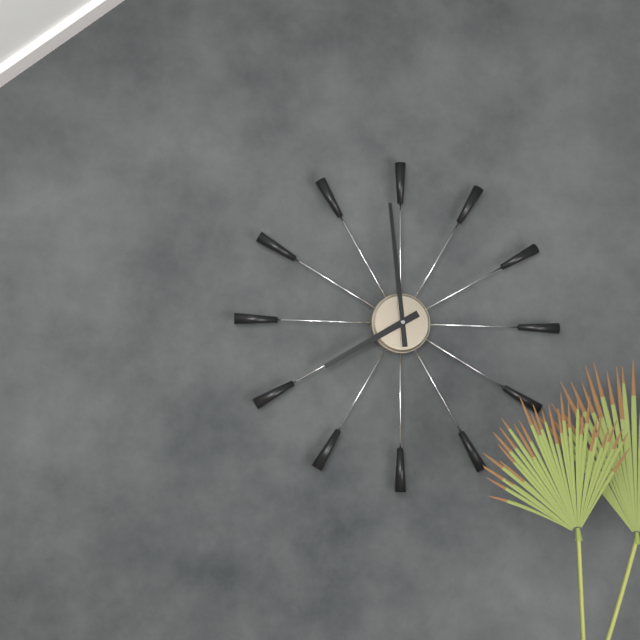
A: 7:59
